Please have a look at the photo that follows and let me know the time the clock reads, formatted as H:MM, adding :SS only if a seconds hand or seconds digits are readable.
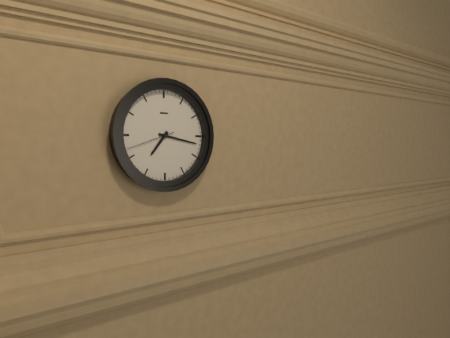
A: 7:17
